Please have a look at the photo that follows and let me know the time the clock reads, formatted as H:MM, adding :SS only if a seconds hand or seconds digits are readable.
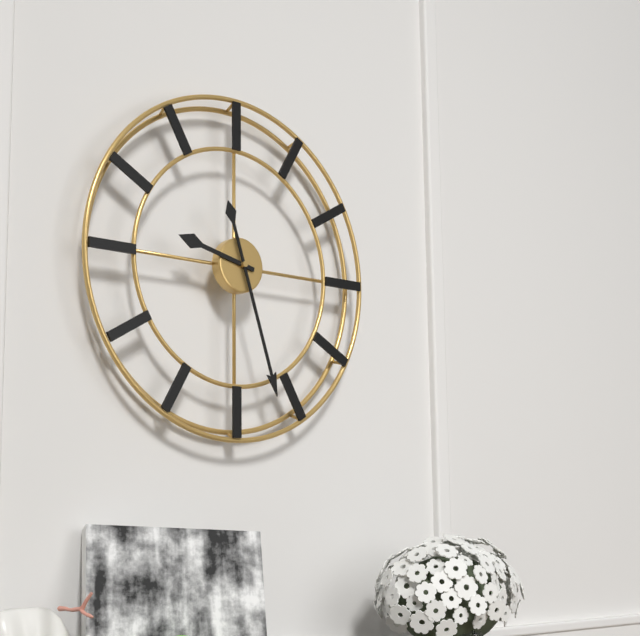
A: 9:27
